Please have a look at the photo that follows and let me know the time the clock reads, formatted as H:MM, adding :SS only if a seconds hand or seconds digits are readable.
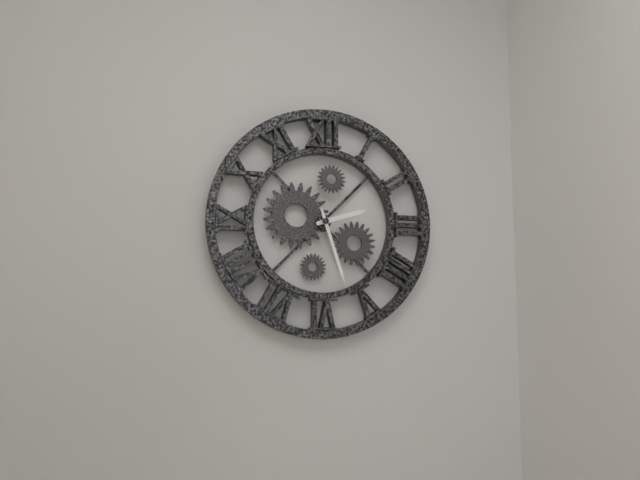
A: 2:27
